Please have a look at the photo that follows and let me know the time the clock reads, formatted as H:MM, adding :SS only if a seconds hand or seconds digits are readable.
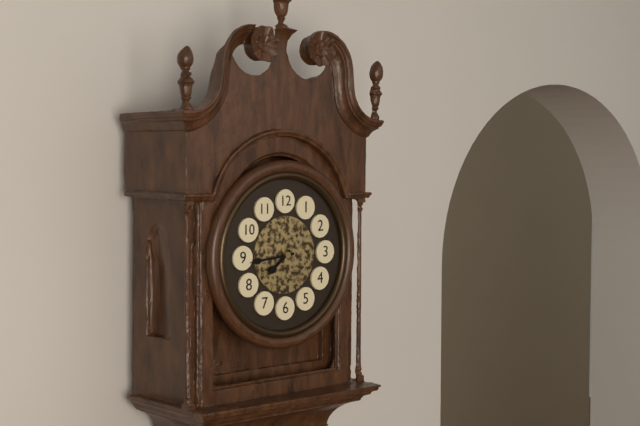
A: 7:44
